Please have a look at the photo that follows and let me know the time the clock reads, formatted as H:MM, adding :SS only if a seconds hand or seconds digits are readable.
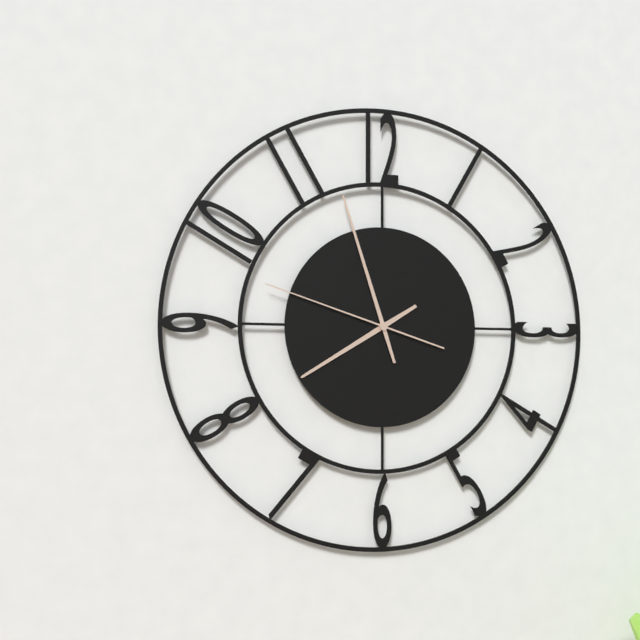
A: 7:57:48
